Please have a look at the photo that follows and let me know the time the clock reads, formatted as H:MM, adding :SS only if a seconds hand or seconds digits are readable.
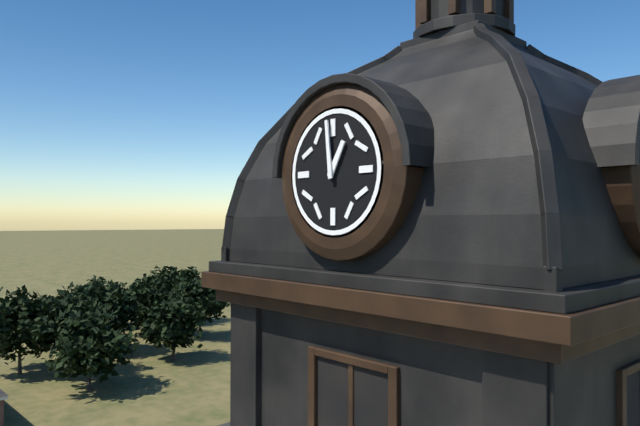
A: 12:59
